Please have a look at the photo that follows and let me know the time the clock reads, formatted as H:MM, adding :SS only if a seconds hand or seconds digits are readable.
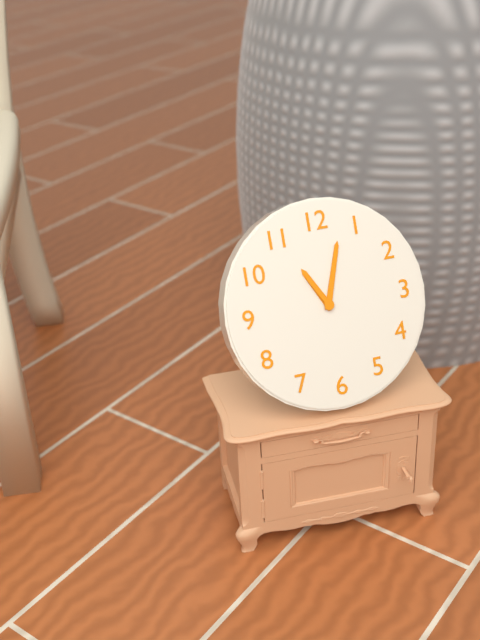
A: 11:03
